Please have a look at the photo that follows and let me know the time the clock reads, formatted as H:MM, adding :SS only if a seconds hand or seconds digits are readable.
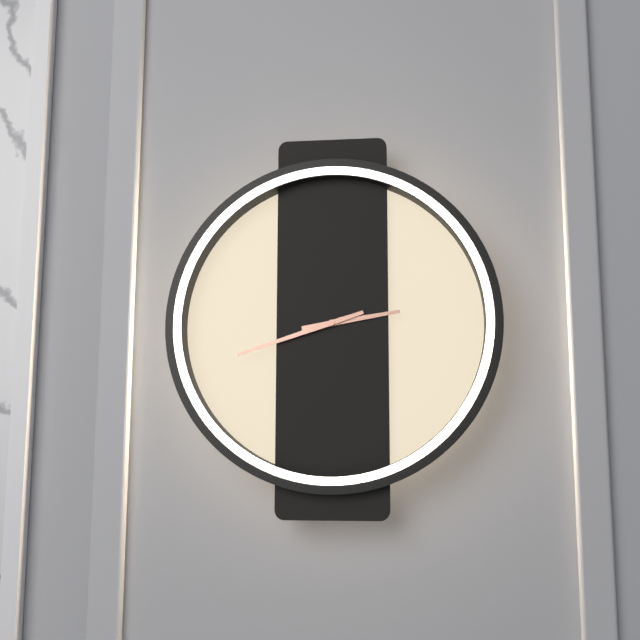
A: 2:42
